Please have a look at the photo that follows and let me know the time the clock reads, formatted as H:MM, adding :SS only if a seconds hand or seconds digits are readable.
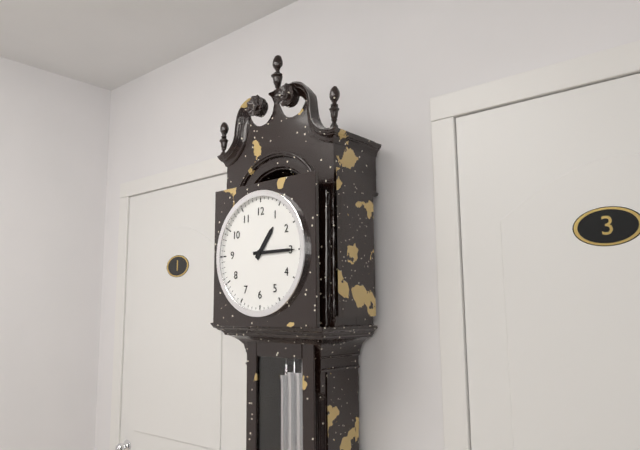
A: 1:15
